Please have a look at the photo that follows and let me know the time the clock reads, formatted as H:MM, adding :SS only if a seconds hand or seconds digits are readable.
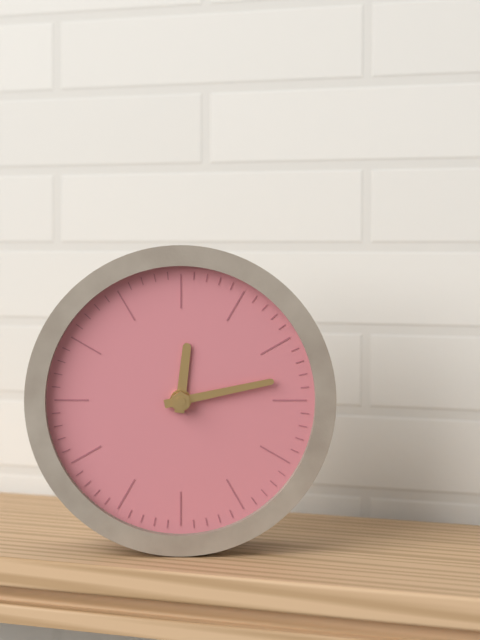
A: 12:13
